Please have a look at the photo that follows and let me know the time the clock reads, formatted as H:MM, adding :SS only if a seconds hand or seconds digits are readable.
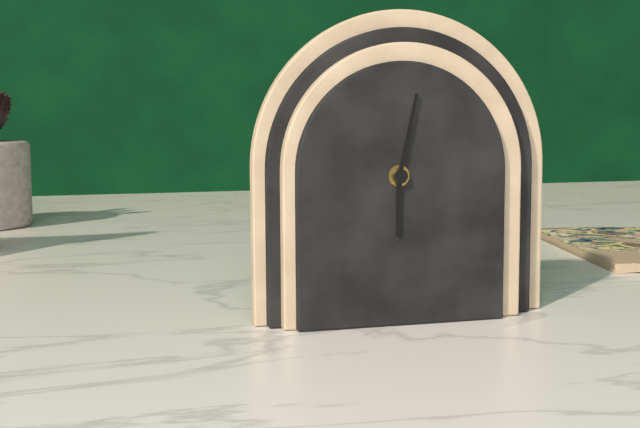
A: 6:02
